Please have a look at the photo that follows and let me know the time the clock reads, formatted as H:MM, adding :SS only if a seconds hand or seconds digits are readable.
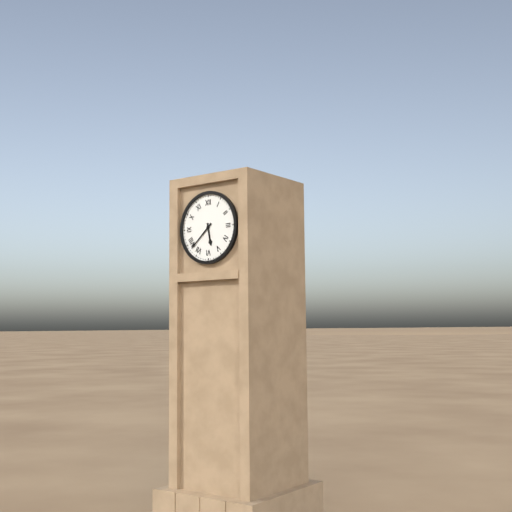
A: 5:38
